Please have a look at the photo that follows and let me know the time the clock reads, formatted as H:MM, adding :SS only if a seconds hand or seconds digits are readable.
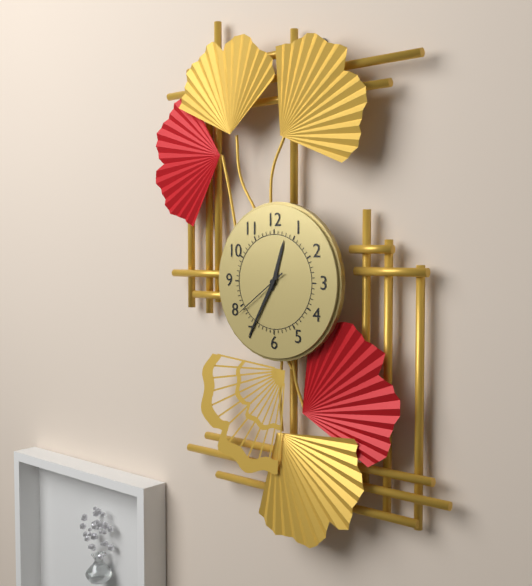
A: 12:35:39
